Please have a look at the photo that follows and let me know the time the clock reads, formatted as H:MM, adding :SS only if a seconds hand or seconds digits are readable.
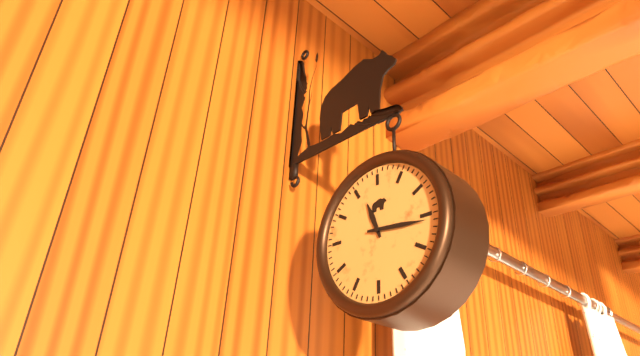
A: 11:16
